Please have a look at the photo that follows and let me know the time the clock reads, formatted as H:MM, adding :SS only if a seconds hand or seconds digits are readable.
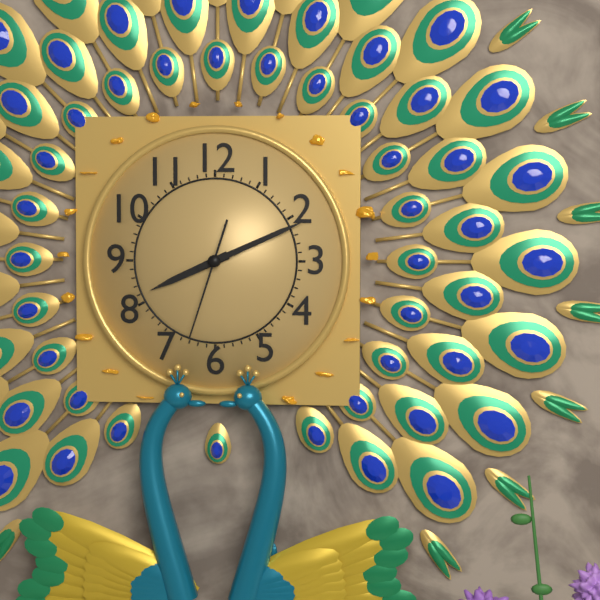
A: 8:11:33
